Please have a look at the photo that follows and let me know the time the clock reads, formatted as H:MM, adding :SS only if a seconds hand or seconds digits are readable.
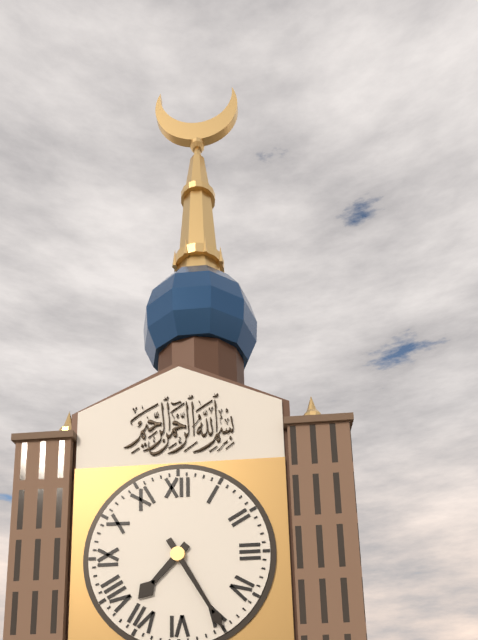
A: 7:25
